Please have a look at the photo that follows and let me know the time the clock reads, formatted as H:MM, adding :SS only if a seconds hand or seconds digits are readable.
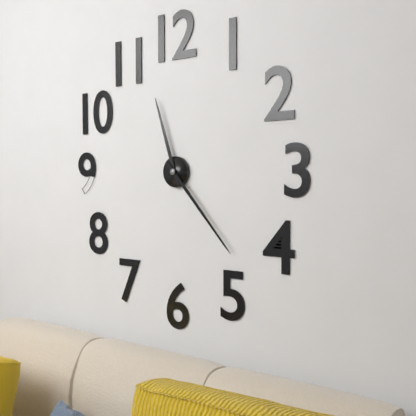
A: 11:23
